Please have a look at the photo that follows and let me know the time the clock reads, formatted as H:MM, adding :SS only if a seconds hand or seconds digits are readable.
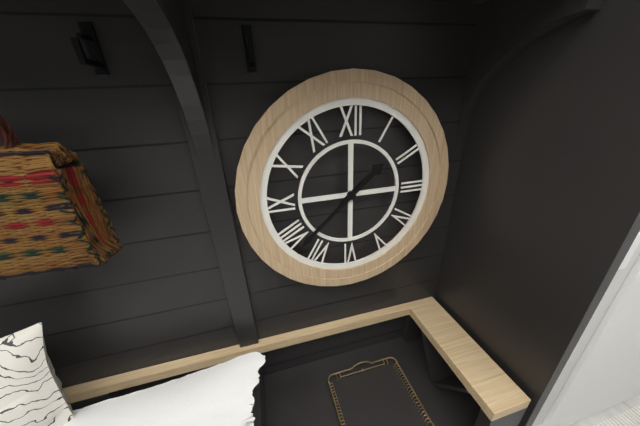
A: 1:38
